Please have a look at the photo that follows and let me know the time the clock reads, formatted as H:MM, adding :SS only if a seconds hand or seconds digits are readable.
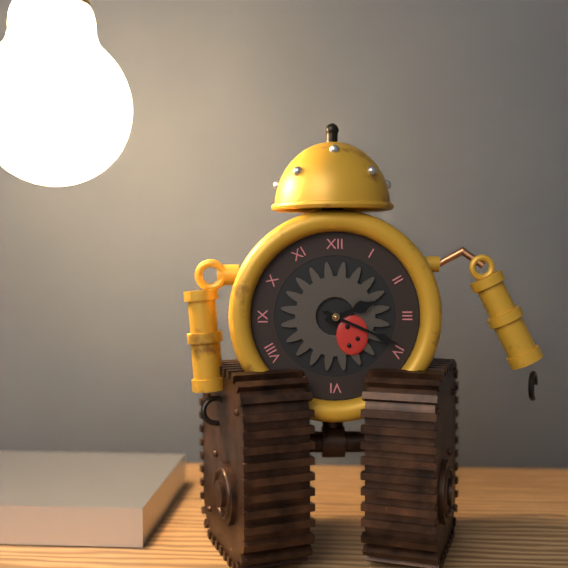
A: 2:19
